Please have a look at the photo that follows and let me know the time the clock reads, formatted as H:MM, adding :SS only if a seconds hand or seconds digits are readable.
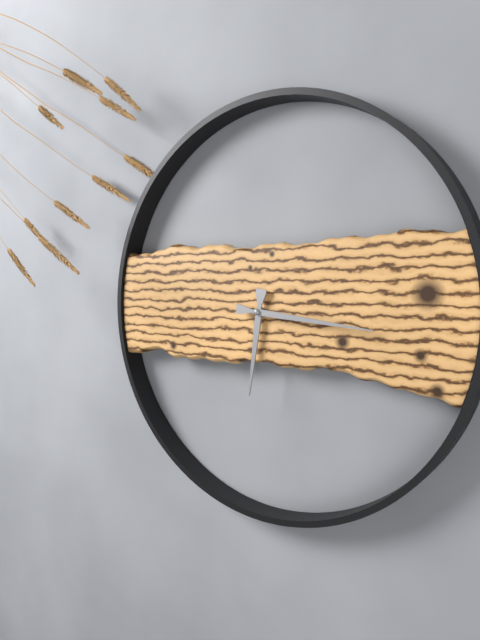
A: 6:16
